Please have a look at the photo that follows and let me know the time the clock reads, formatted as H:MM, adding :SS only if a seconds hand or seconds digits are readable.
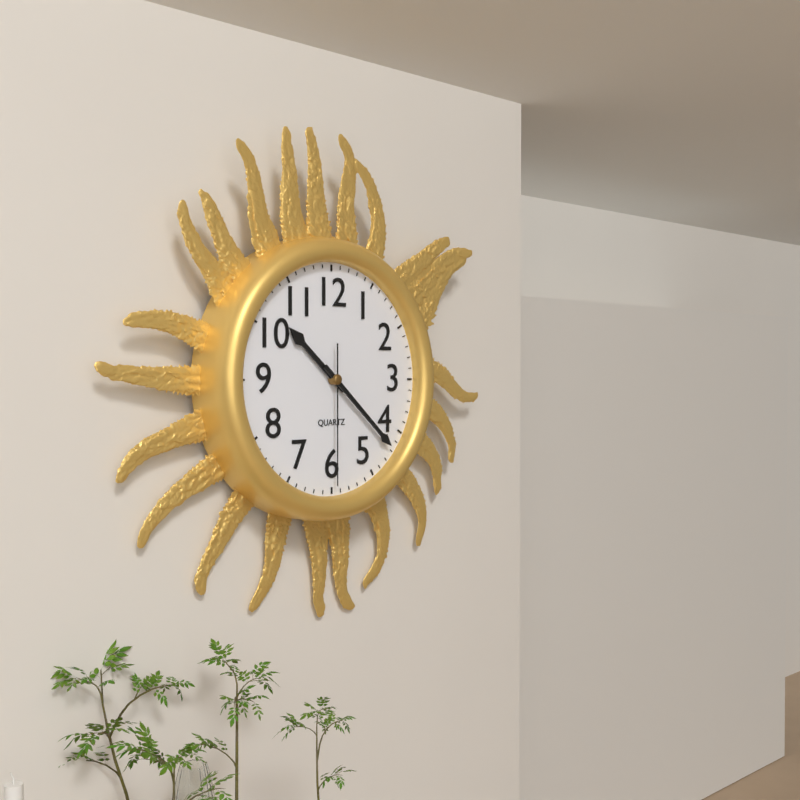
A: 10:22:30
